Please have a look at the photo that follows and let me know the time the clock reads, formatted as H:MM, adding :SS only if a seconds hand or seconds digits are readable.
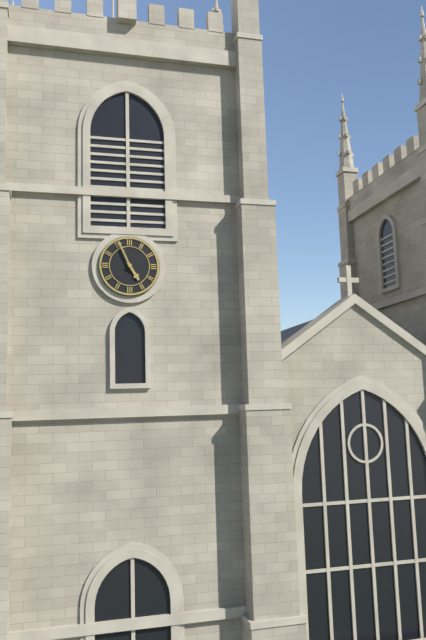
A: 4:56
